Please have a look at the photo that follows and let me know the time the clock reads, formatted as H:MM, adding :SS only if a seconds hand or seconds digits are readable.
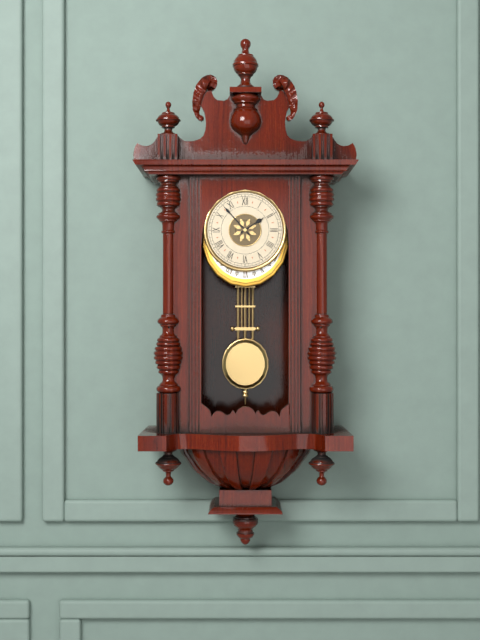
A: 1:53
